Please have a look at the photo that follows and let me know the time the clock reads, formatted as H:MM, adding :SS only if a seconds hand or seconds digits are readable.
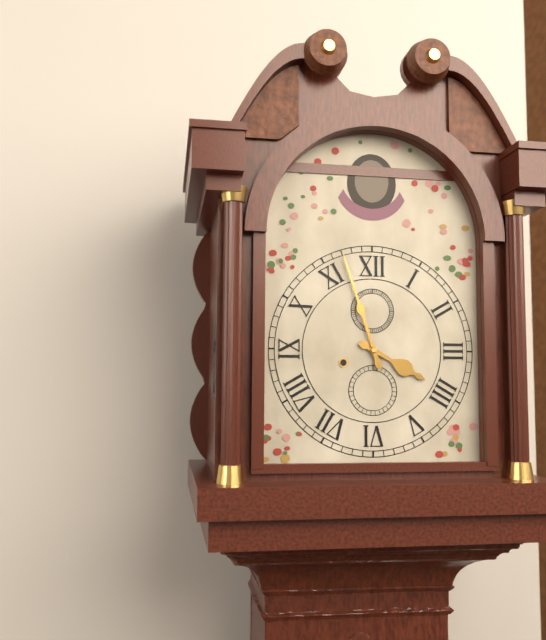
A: 3:57
